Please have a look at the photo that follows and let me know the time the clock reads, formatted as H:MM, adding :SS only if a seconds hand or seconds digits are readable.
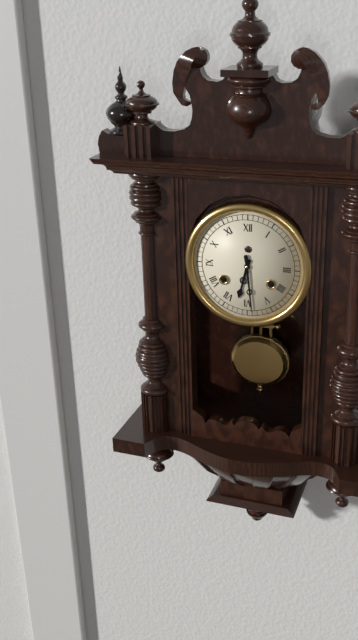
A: 6:29
